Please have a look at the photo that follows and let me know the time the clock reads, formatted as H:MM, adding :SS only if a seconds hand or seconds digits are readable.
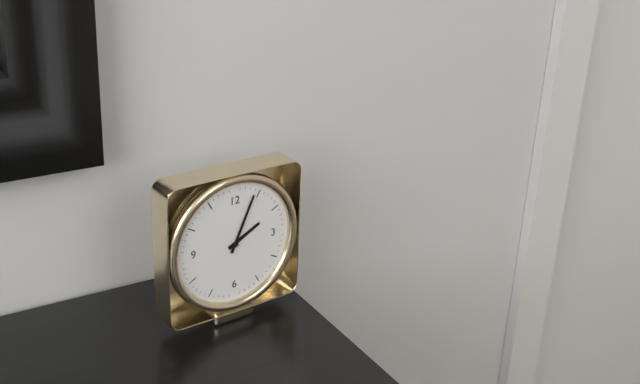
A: 2:04
